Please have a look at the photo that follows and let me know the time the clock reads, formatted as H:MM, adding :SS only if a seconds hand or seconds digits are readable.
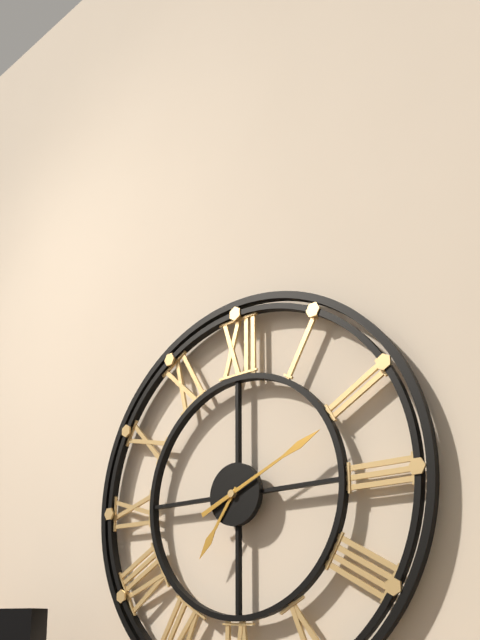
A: 7:11
